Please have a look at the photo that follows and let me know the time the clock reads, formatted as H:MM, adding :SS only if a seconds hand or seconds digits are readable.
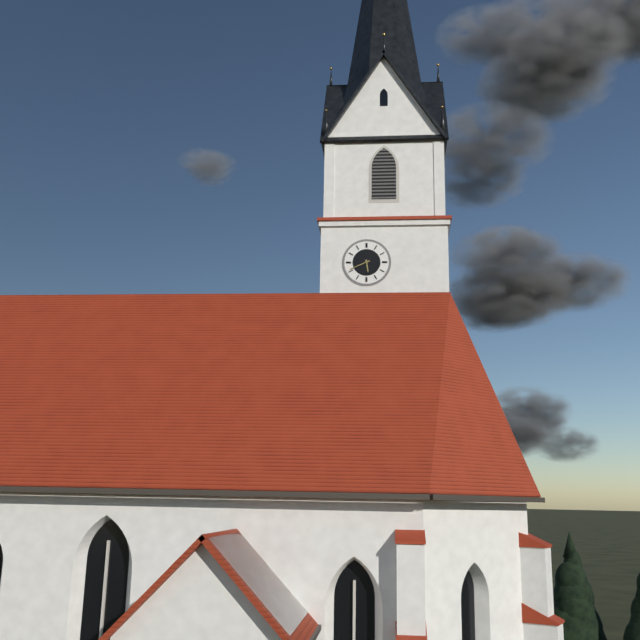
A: 5:41
